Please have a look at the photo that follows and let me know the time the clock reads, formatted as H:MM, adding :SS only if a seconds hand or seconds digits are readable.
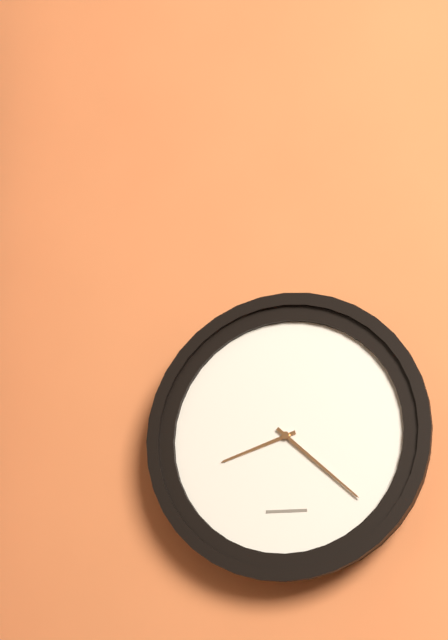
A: 8:22
